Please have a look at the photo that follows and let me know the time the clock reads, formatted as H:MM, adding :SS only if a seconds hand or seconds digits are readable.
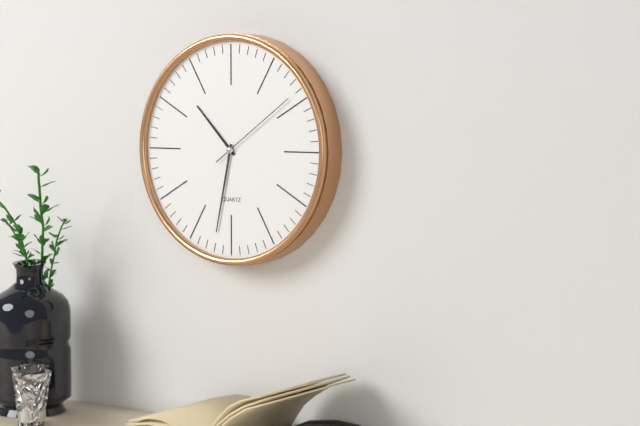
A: 10:32:09
